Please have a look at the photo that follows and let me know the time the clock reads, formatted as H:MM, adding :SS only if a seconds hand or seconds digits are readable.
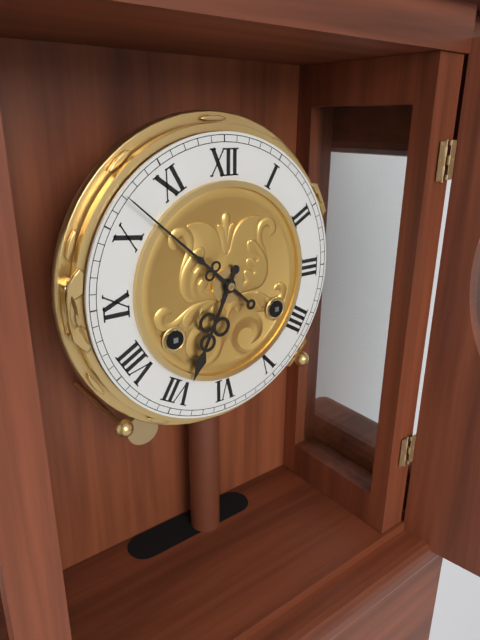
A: 6:52
